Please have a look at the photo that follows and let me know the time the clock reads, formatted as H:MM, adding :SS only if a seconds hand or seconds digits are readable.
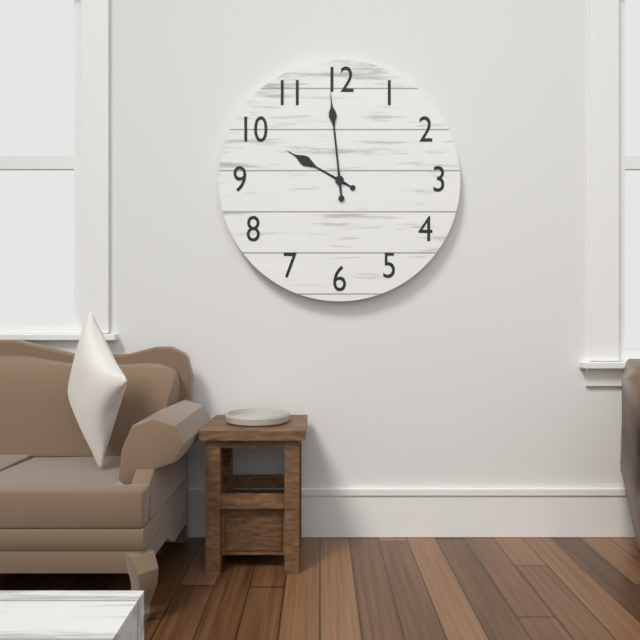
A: 9:59
